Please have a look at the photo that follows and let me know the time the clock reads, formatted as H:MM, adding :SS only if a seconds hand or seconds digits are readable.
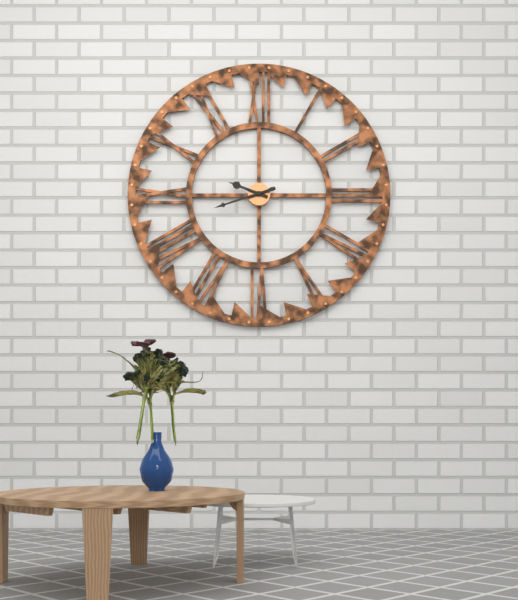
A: 9:42
